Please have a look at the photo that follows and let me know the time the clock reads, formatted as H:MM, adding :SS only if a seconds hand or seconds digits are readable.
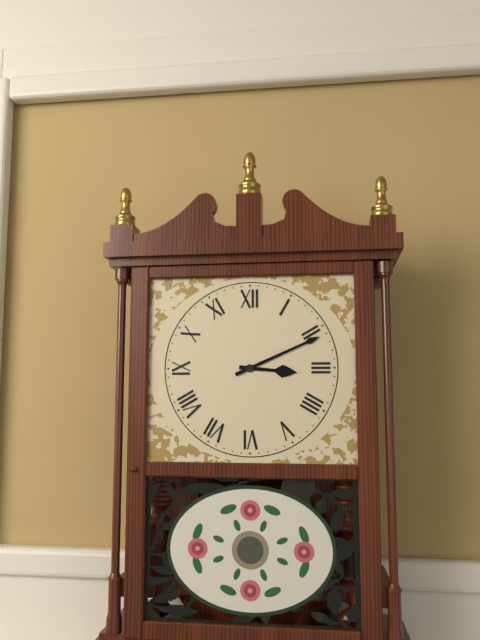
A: 3:11
